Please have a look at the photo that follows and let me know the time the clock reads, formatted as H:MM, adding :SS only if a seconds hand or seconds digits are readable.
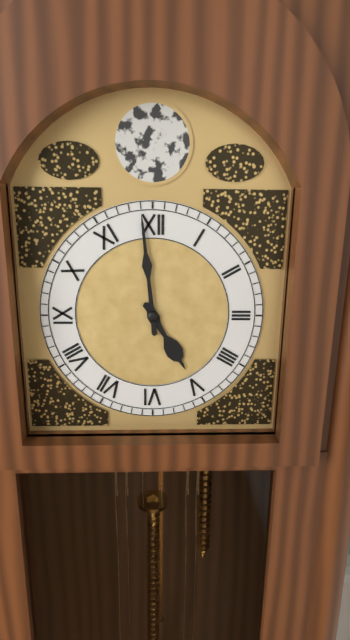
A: 4:59
